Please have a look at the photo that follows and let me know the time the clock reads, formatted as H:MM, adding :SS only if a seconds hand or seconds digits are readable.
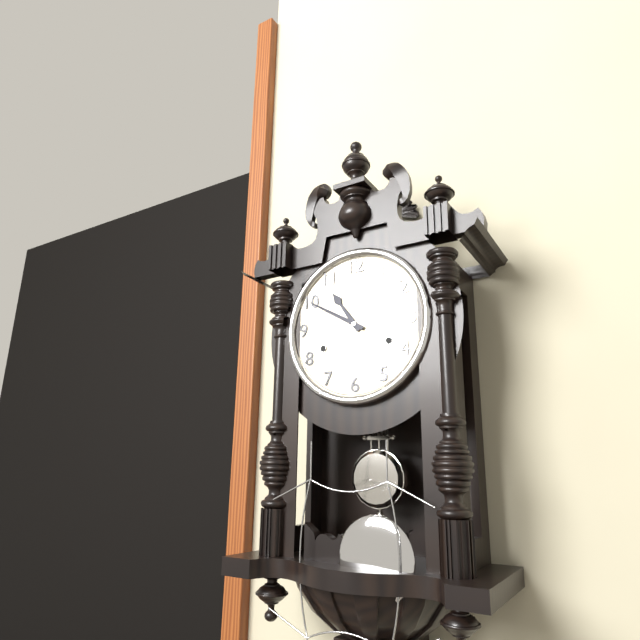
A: 10:50
